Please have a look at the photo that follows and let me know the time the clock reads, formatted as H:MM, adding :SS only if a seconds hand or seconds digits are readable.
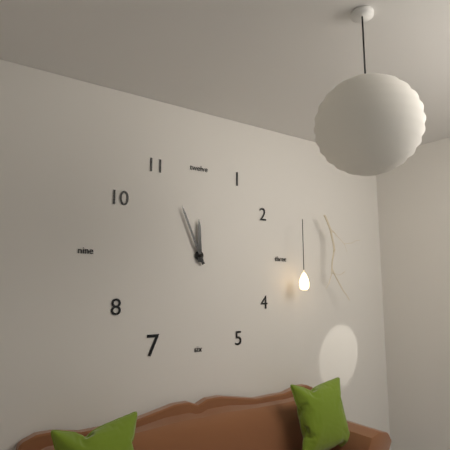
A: 11:56
